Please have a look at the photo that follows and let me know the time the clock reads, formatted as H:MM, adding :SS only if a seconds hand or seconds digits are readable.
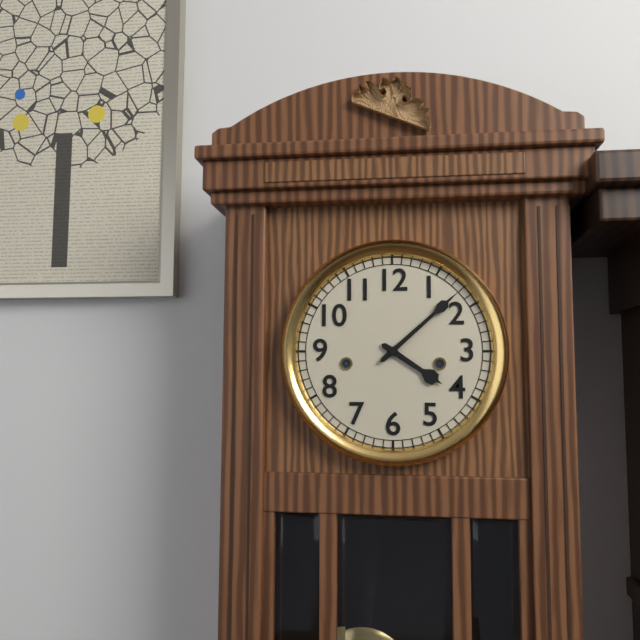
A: 4:08
